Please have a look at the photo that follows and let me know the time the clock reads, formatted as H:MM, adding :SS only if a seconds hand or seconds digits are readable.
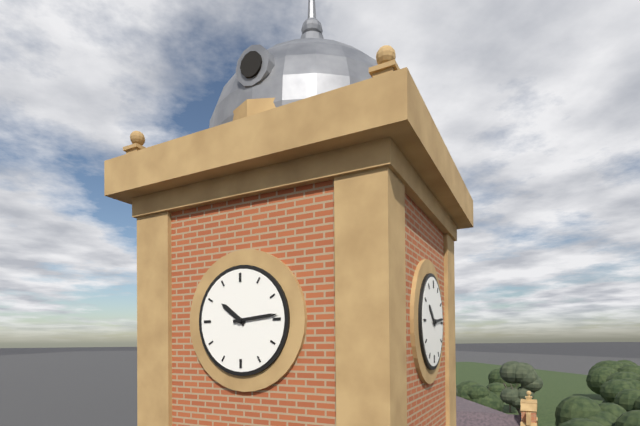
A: 10:14
